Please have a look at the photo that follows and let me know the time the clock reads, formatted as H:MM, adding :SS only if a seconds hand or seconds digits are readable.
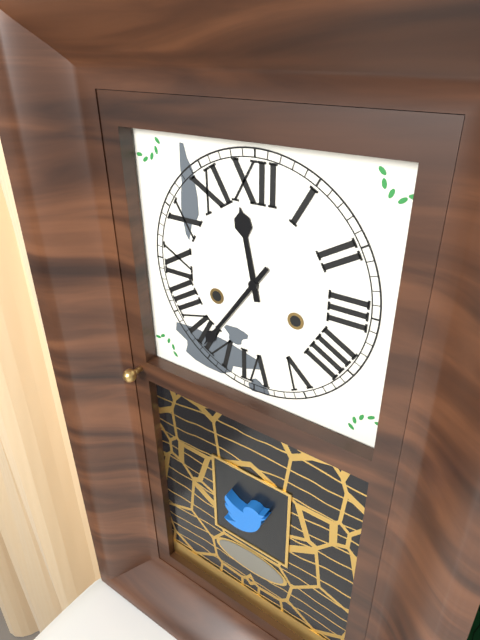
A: 11:36
